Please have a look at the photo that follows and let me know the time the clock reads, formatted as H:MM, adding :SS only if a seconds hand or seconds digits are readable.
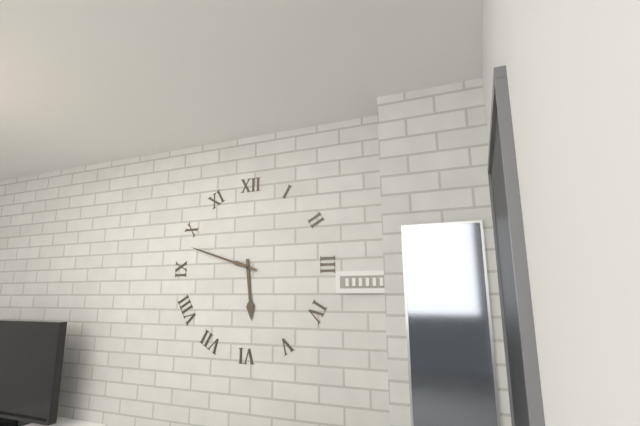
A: 5:48
